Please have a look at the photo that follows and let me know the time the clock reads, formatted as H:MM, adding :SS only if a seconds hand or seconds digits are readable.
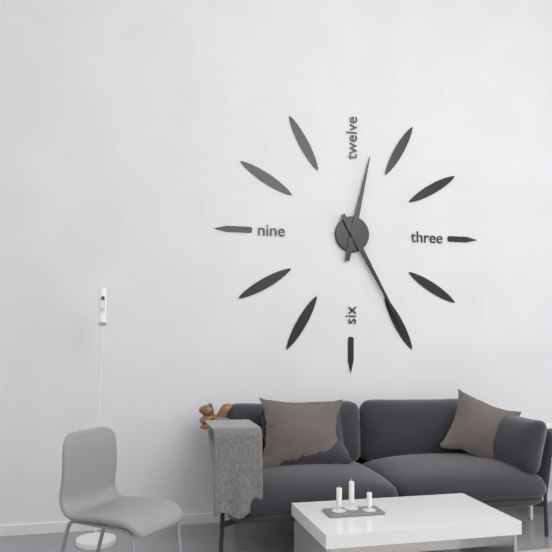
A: 12:25
